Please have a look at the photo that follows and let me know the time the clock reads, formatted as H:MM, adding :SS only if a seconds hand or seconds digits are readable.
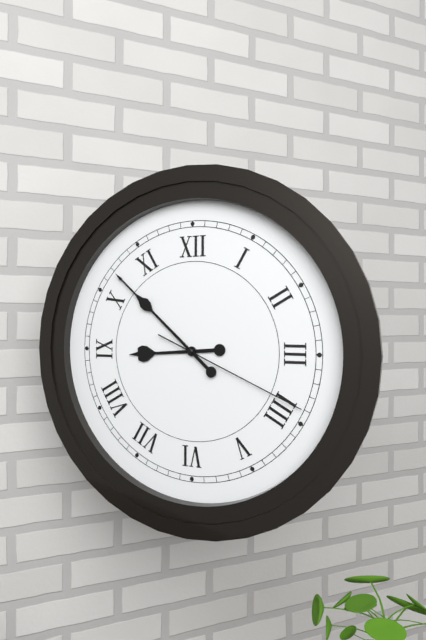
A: 8:52:19
